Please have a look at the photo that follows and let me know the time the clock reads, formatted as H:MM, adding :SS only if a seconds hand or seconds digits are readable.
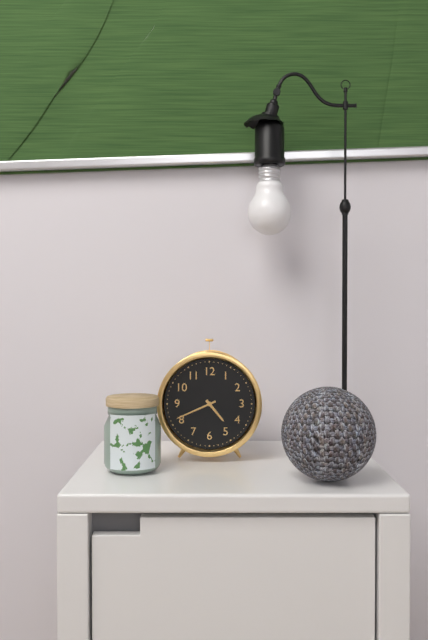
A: 4:41
